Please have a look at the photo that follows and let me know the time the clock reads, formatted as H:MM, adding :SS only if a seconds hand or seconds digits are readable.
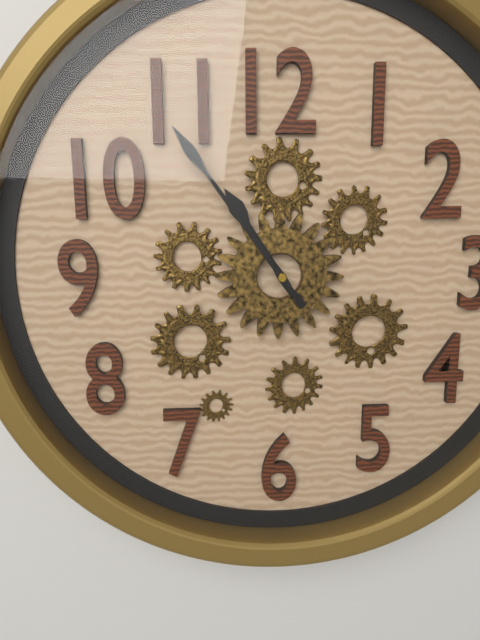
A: 10:54
